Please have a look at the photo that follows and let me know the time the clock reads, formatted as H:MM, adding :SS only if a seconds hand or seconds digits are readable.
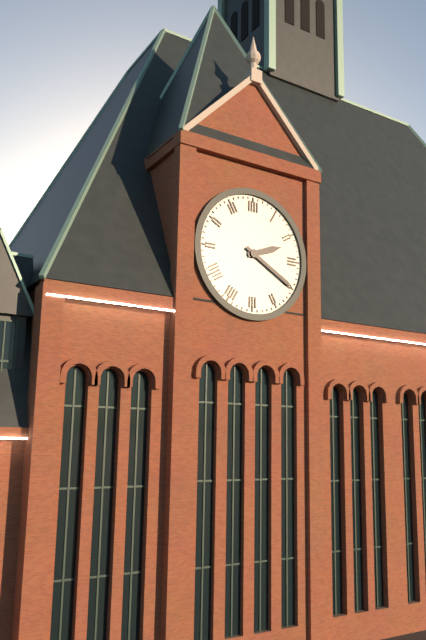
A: 2:20
